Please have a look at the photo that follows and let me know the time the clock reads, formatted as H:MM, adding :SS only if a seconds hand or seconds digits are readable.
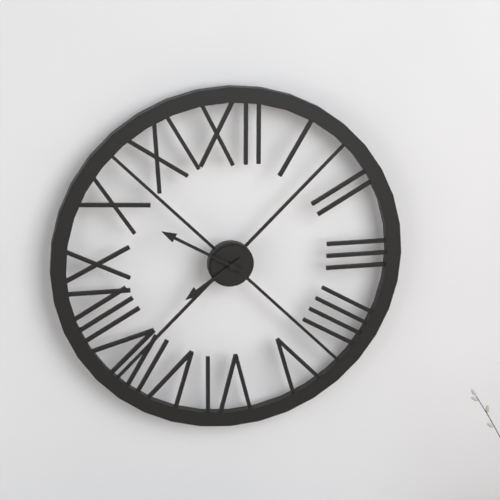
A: 7:50
